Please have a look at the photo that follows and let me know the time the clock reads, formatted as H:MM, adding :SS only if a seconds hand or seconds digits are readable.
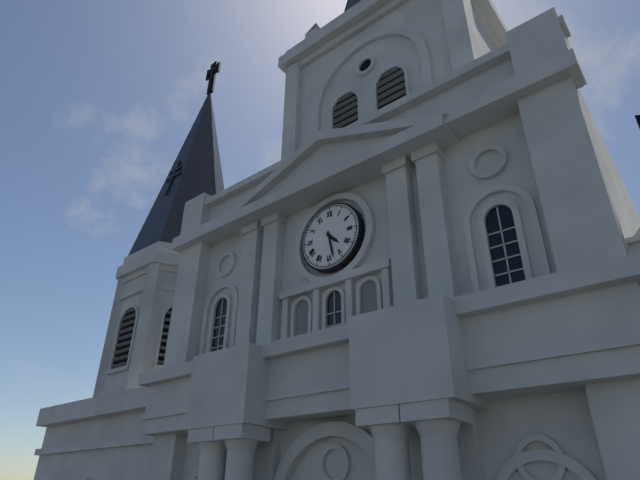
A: 4:28
